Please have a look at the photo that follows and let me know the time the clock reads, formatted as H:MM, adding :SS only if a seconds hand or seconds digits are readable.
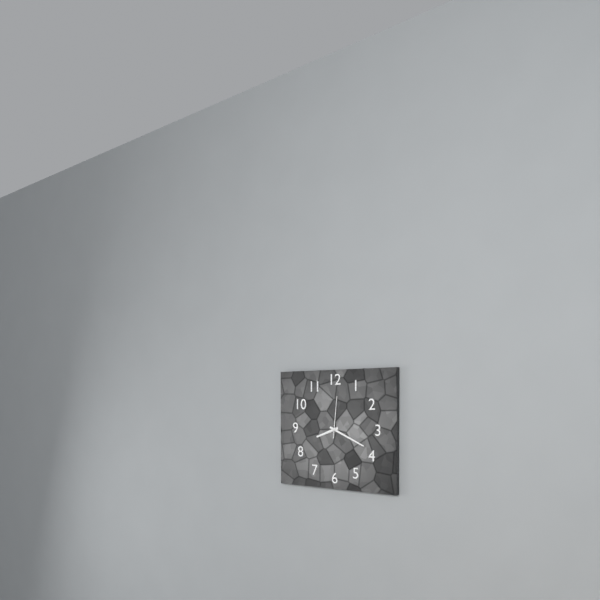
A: 8:19
